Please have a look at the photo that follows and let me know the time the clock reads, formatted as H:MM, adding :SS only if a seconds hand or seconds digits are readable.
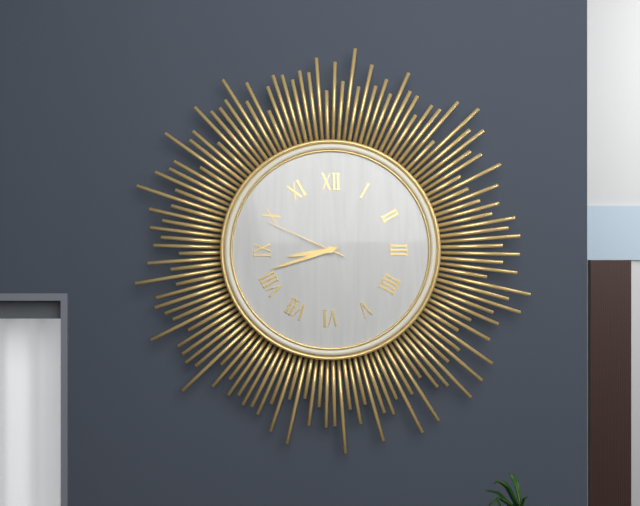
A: 8:42:49
